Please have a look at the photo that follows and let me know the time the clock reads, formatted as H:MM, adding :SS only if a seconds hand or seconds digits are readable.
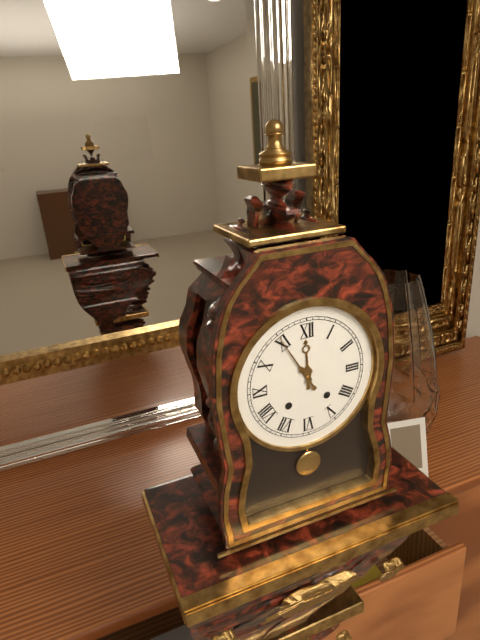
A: 11:55
